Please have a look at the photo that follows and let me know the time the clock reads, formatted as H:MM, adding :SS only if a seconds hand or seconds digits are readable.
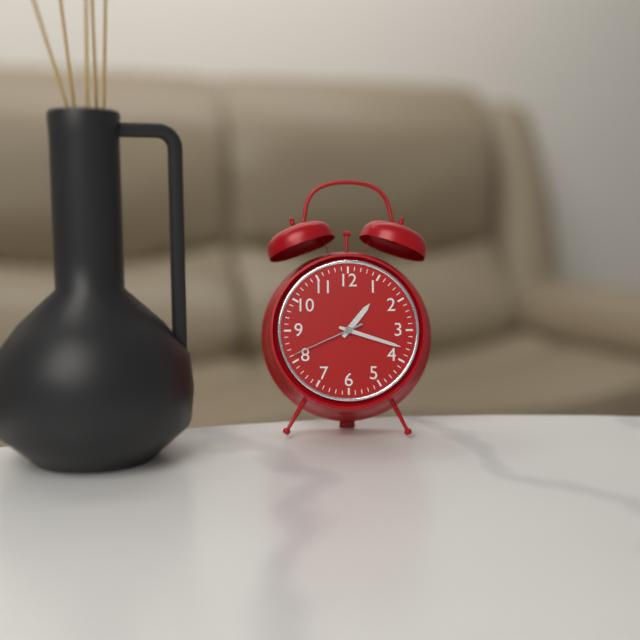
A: 1:18:41
